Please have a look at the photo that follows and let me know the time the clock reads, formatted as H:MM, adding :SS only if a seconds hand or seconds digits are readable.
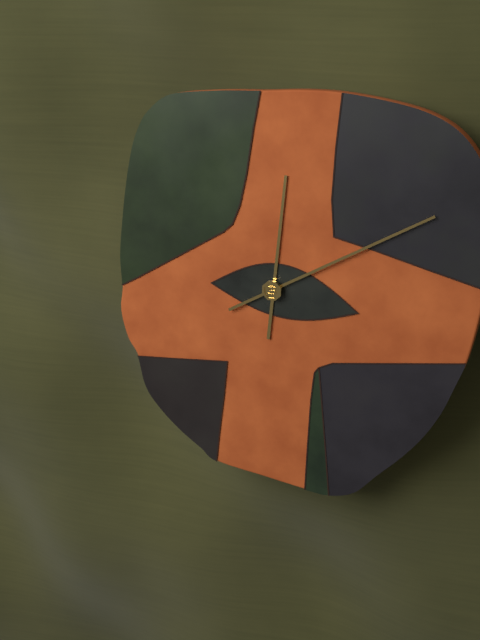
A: 12:10
